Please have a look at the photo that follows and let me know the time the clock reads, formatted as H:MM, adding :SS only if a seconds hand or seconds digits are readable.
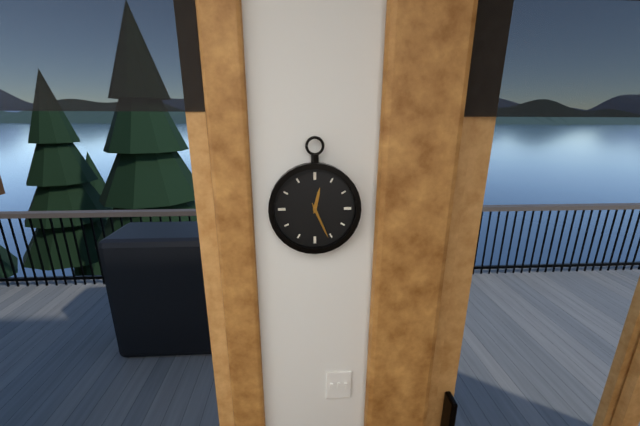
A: 12:26
